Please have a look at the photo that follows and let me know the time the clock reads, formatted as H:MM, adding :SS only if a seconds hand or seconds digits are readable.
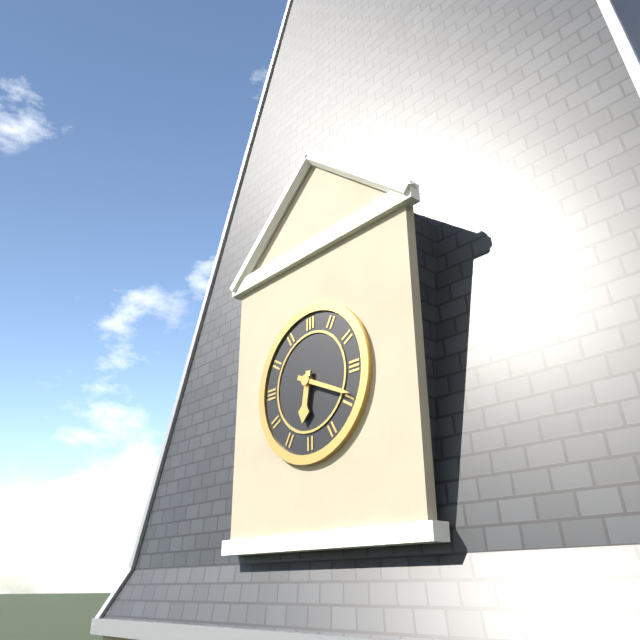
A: 6:19
